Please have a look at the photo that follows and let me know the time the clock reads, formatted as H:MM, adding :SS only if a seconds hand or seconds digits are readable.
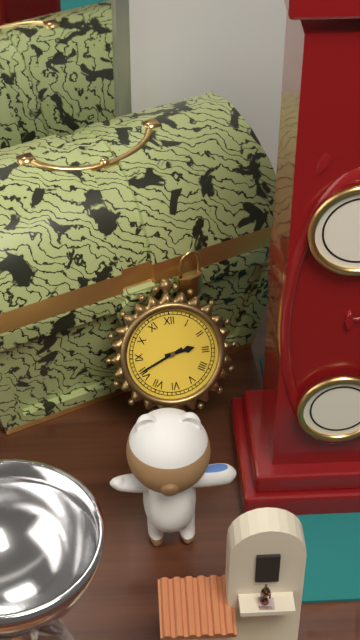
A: 2:41
